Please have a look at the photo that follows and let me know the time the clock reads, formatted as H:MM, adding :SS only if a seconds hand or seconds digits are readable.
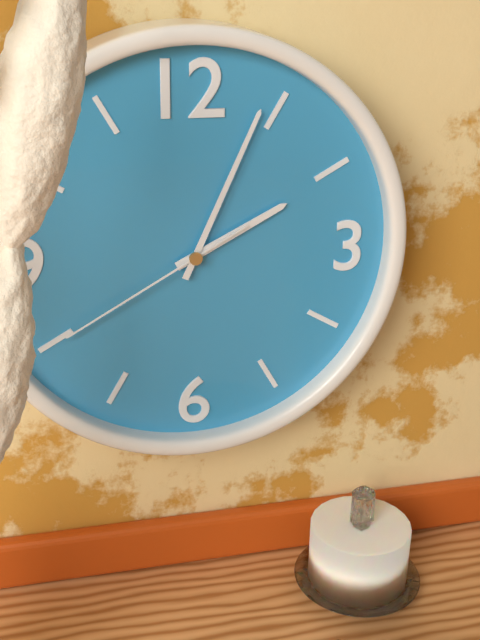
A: 2:04:40
